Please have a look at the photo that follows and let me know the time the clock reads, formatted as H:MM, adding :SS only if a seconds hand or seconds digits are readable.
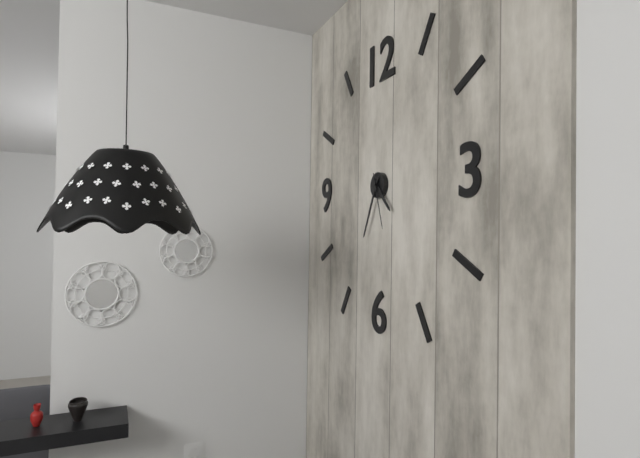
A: 4:34:27
